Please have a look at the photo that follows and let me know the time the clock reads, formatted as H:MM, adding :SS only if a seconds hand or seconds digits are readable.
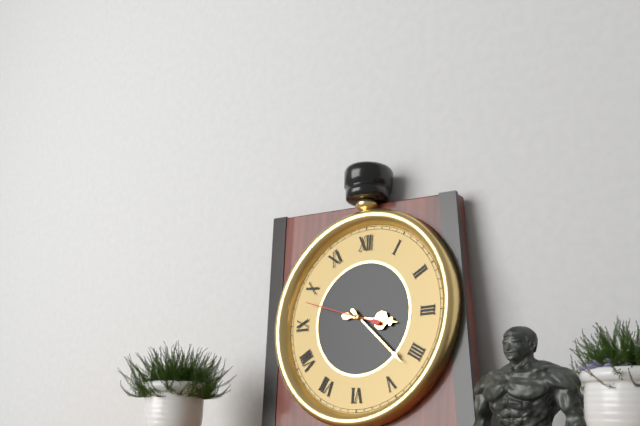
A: 3:22:48
